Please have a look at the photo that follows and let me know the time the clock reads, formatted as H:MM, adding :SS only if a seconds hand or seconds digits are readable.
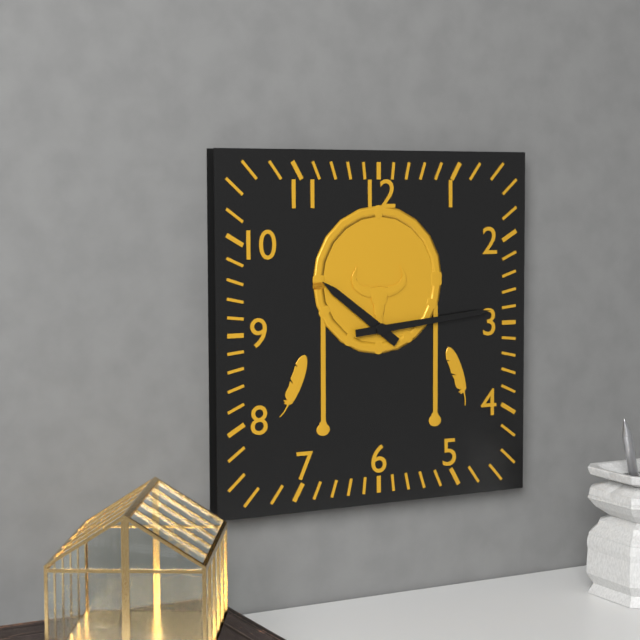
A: 10:14
